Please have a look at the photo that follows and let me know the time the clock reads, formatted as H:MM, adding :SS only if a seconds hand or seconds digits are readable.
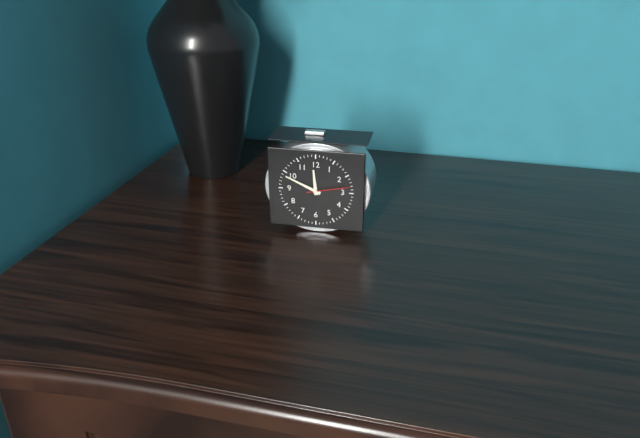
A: 11:49
